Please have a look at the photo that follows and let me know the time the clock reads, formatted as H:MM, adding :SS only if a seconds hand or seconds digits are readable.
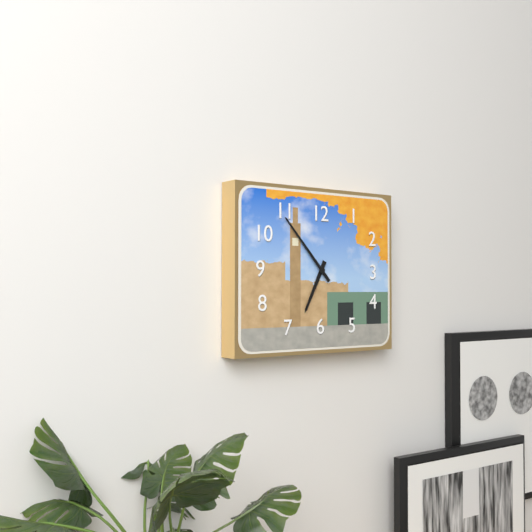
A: 6:53
